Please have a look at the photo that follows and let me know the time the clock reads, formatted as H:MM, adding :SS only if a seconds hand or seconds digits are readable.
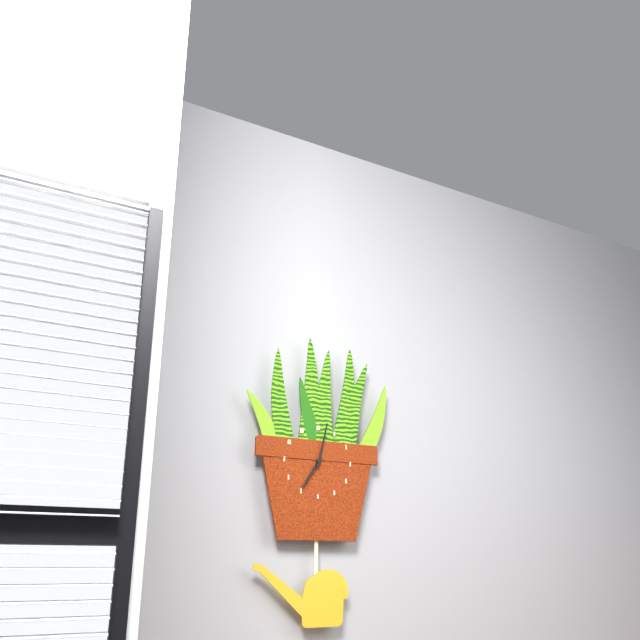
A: 7:02
